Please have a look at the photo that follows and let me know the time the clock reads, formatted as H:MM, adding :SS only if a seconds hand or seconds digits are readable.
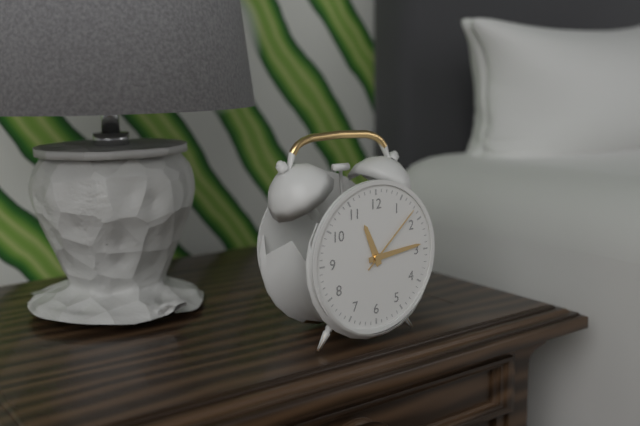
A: 11:14:08
